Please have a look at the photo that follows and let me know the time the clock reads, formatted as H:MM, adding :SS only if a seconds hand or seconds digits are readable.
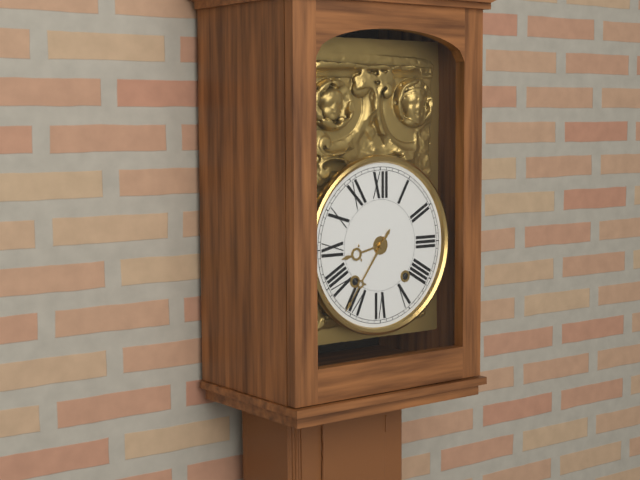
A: 8:36
